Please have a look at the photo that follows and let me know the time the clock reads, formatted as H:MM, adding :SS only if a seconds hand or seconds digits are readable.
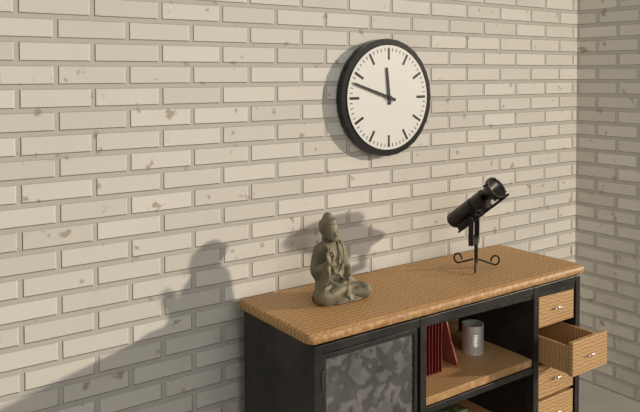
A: 11:48
